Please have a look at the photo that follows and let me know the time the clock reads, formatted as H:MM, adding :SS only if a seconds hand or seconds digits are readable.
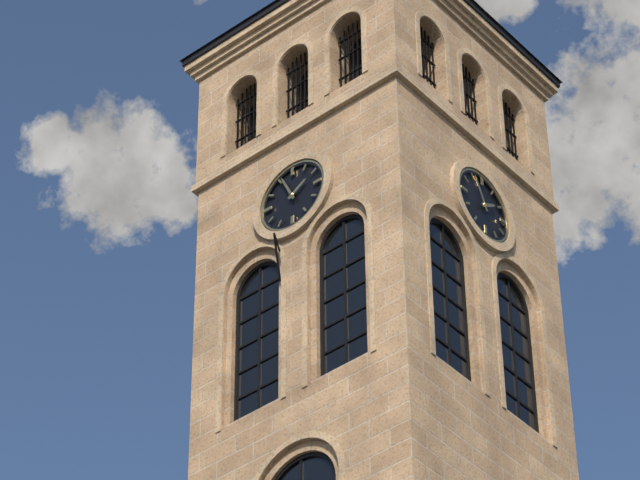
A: 1:56
